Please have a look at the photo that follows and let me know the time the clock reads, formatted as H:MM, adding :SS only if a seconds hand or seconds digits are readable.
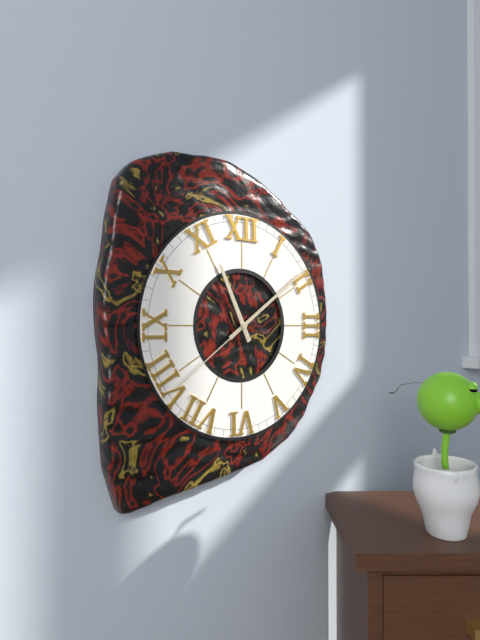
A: 11:09:39
